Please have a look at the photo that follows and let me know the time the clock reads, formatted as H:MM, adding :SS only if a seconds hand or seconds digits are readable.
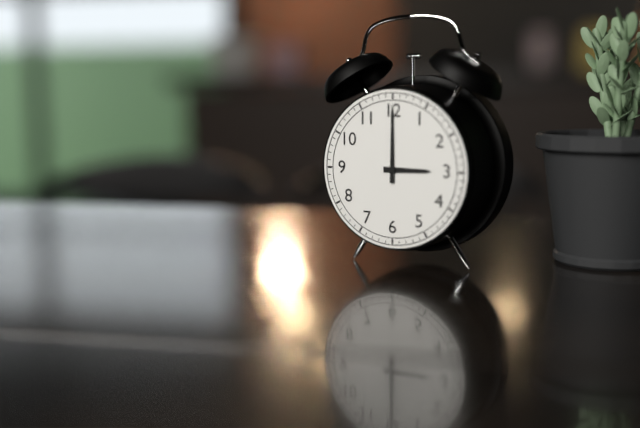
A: 3:00
